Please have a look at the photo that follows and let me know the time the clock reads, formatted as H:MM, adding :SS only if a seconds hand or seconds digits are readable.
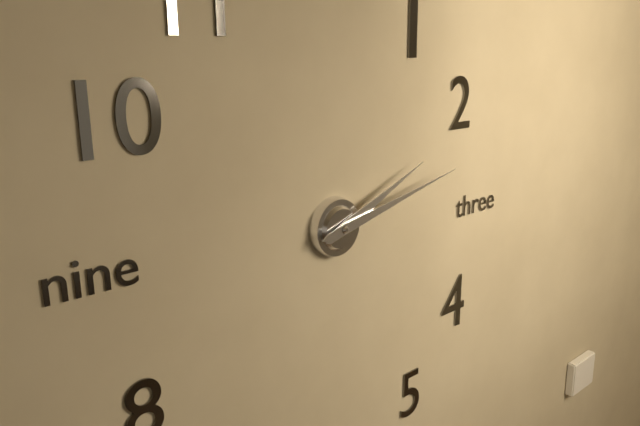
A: 2:13
